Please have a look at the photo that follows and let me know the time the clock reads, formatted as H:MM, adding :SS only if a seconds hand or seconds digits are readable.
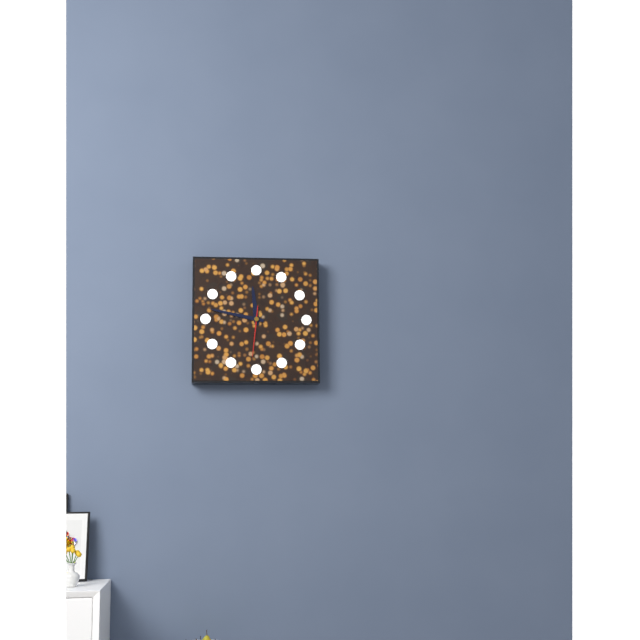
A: 11:47:31
